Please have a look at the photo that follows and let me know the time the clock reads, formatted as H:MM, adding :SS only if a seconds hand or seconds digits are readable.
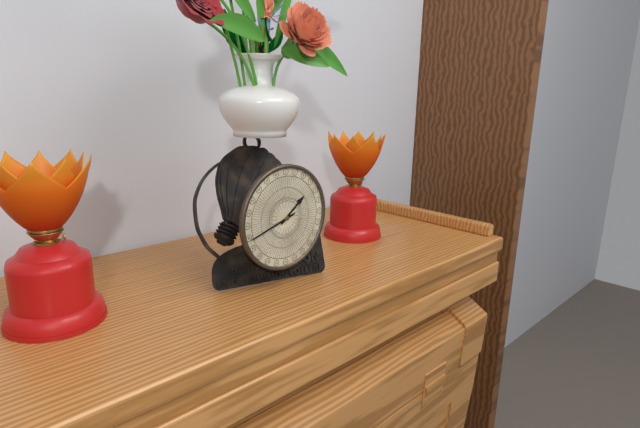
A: 1:42
